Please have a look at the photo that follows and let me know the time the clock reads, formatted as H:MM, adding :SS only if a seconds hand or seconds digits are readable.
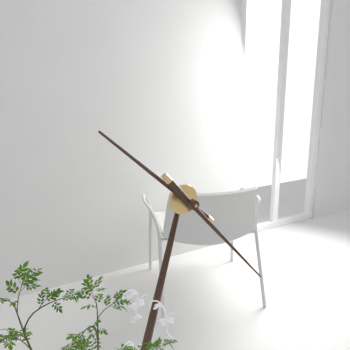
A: 10:23
